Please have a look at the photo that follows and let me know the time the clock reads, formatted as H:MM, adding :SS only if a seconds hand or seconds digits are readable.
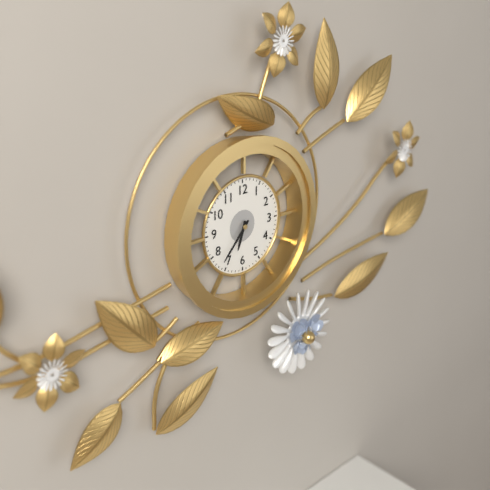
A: 6:37
